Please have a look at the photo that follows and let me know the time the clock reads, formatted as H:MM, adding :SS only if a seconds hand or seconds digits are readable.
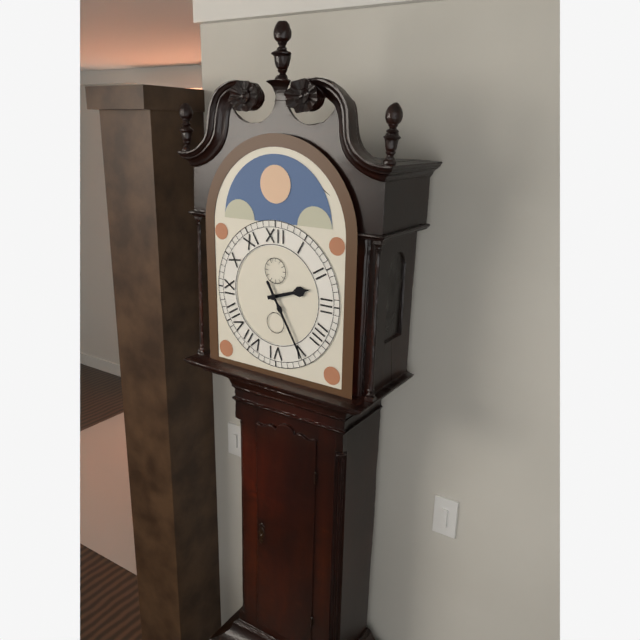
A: 2:25
